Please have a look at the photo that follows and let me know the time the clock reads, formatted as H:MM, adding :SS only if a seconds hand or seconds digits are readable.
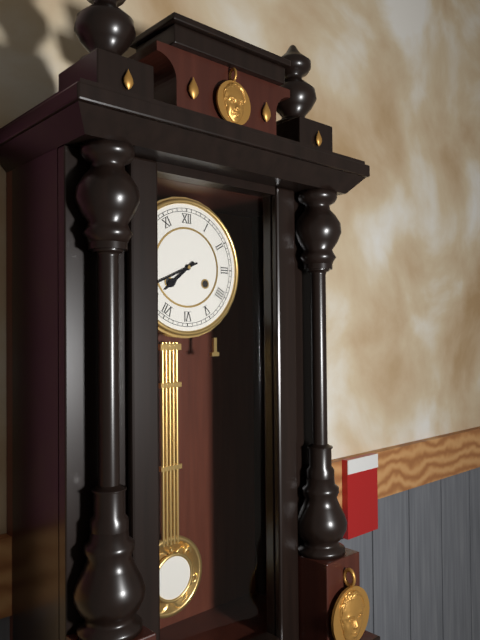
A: 7:41
